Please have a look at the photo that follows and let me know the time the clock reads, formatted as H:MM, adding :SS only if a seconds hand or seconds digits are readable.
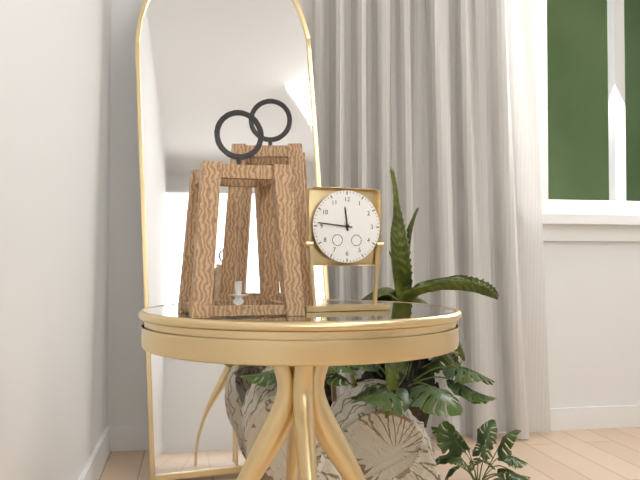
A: 11:46
